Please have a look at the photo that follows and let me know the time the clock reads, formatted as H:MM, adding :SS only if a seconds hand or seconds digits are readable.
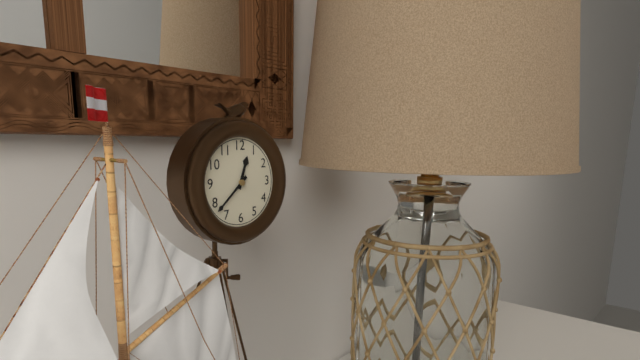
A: 12:38
